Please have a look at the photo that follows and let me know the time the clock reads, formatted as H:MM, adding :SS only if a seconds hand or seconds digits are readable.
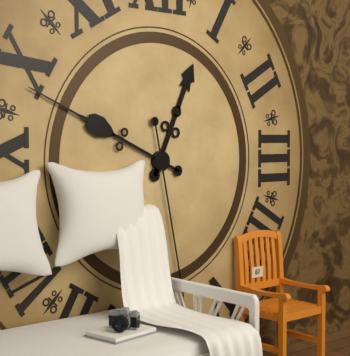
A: 12:49:28
